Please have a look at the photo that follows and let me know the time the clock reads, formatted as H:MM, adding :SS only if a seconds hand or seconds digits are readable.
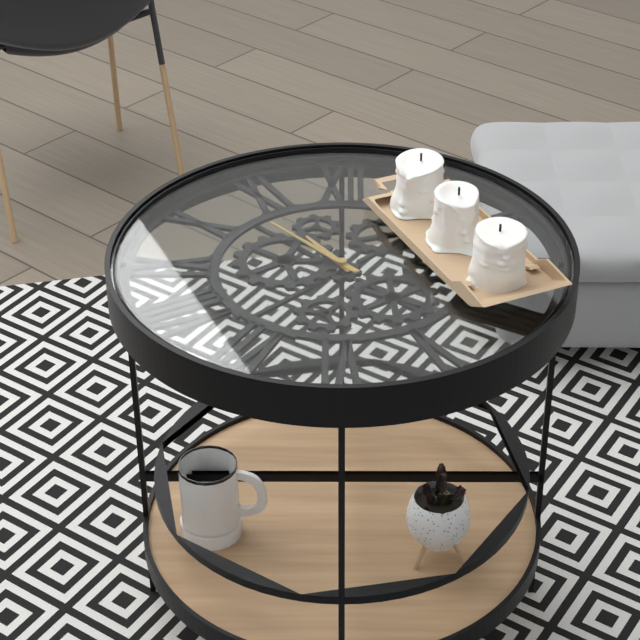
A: 10:53
